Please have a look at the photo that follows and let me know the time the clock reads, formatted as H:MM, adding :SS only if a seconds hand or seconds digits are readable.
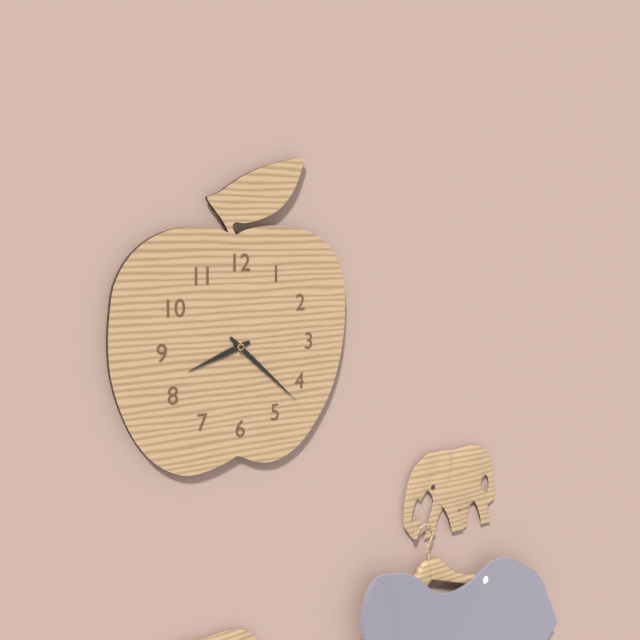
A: 8:22
